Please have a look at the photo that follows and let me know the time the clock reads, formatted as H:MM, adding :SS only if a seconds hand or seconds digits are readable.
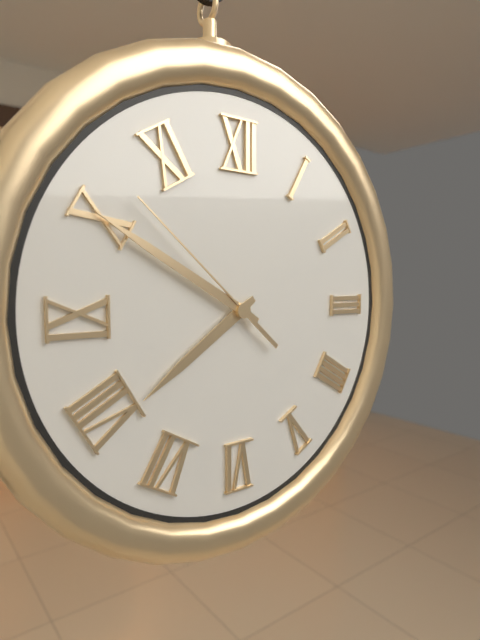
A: 7:50:52
